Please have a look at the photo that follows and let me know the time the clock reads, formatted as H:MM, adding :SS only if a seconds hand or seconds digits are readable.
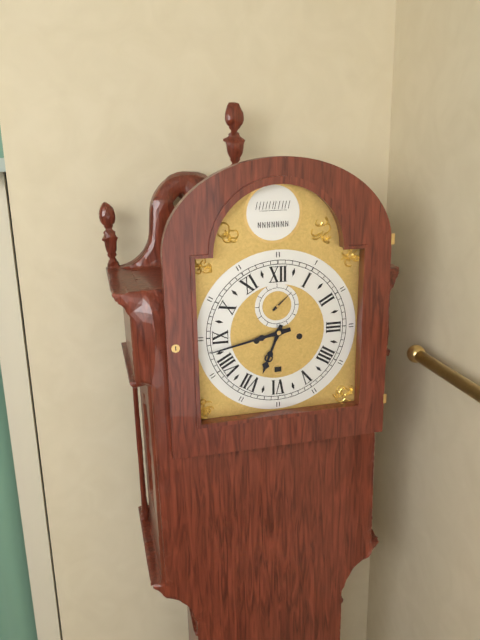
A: 6:43
